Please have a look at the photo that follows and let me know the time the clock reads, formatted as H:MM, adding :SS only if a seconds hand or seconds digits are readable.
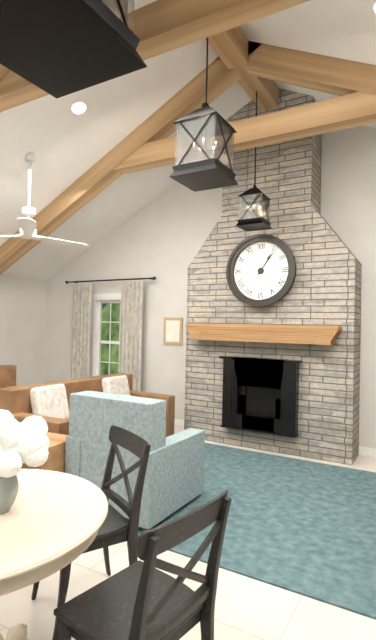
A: 1:06
